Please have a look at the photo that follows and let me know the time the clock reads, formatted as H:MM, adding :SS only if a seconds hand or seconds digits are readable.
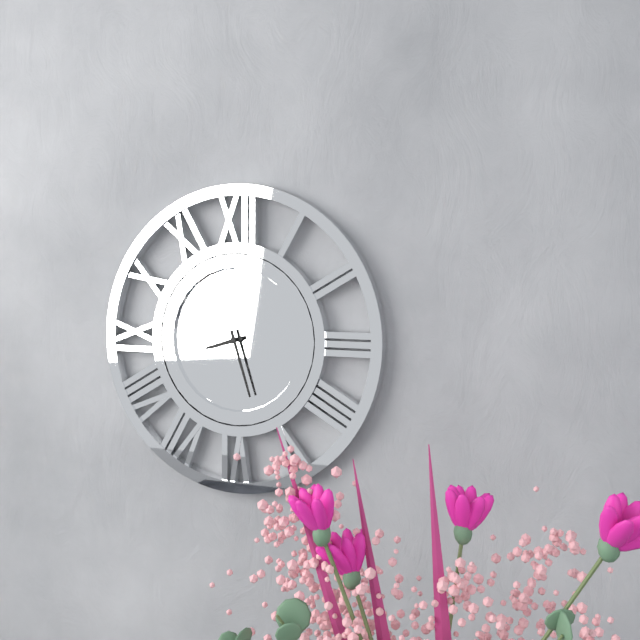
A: 8:27
